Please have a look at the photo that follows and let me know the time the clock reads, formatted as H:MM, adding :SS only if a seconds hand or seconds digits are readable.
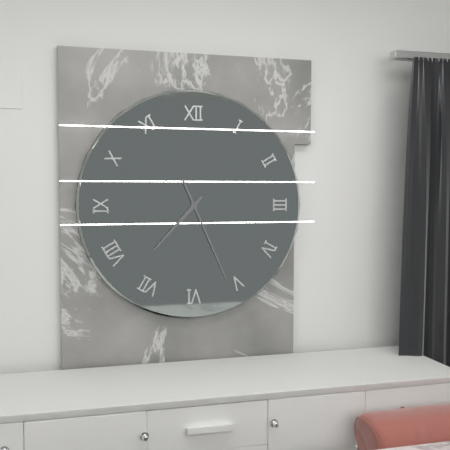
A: 7:26
